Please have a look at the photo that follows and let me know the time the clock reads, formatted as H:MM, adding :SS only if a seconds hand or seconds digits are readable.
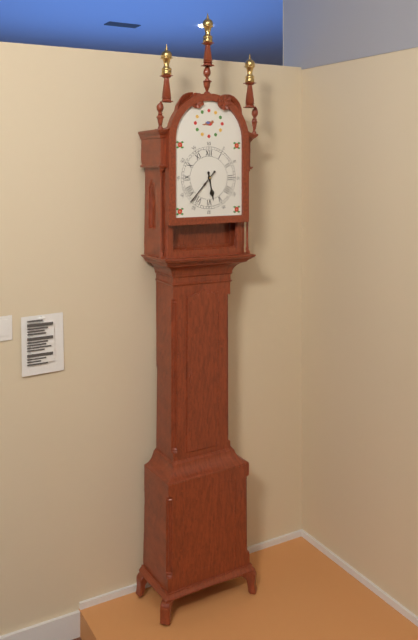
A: 5:37
